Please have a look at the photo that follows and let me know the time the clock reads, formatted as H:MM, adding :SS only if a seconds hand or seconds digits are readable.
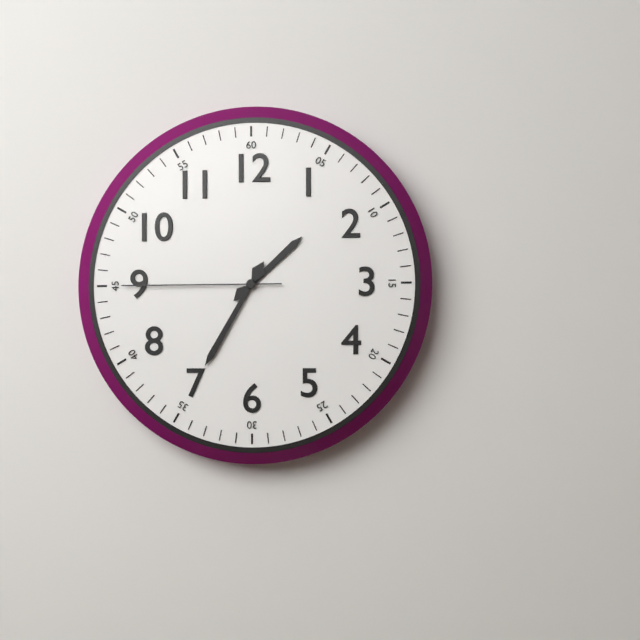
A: 1:35:45
